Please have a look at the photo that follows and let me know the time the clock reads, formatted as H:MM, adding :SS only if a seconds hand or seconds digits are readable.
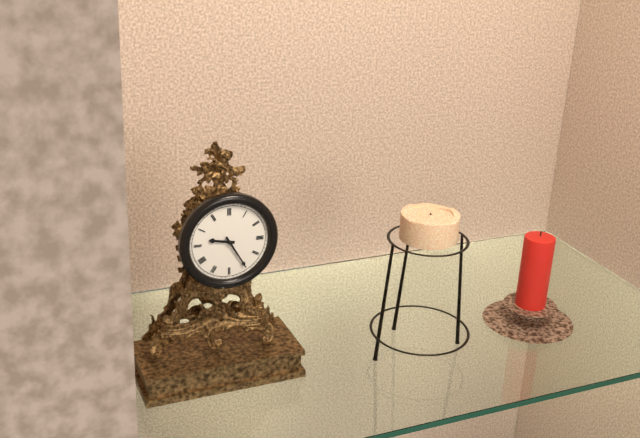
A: 9:25
